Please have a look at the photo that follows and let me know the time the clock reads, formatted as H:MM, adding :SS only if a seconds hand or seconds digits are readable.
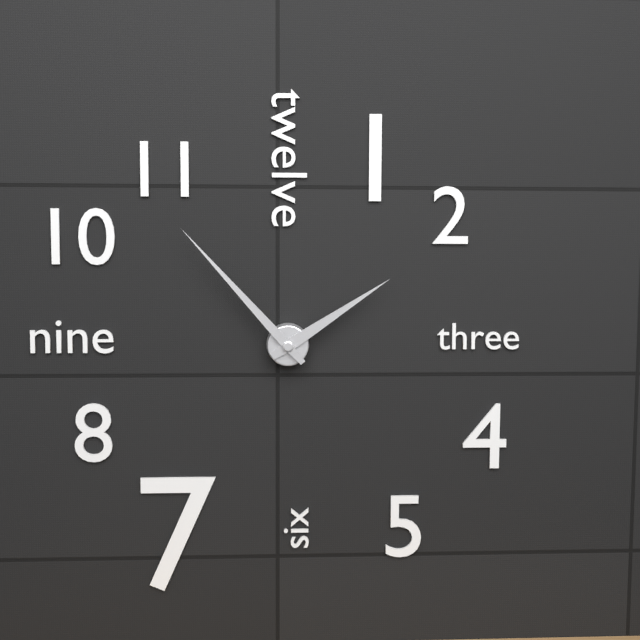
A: 1:53
